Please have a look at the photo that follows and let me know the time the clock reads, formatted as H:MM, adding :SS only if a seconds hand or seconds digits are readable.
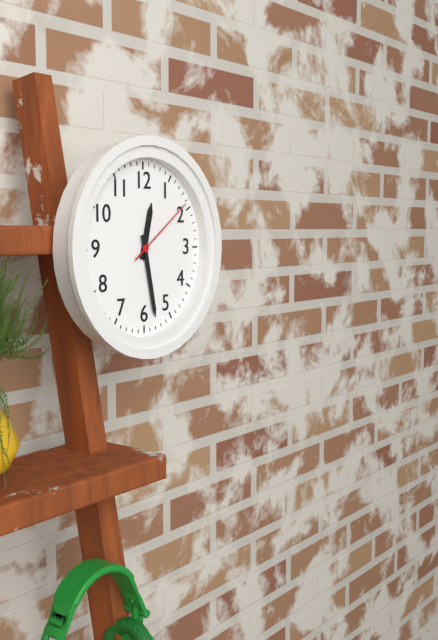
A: 12:28:09
